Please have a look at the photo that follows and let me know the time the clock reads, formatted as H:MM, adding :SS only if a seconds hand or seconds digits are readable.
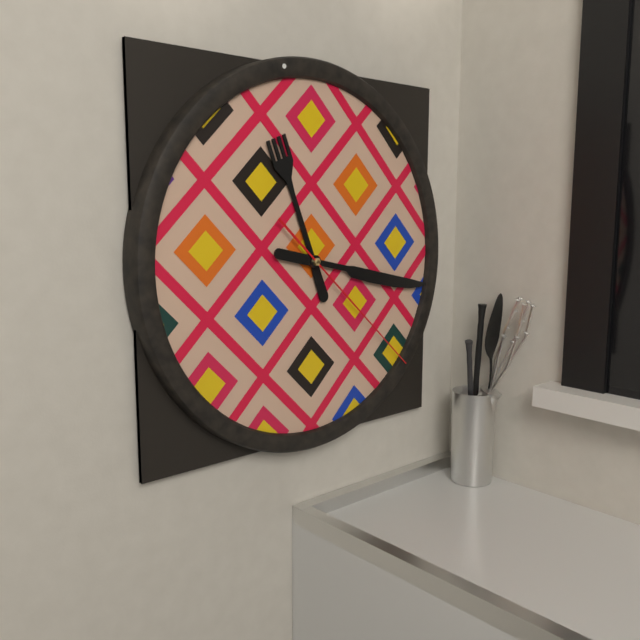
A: 11:17:22
